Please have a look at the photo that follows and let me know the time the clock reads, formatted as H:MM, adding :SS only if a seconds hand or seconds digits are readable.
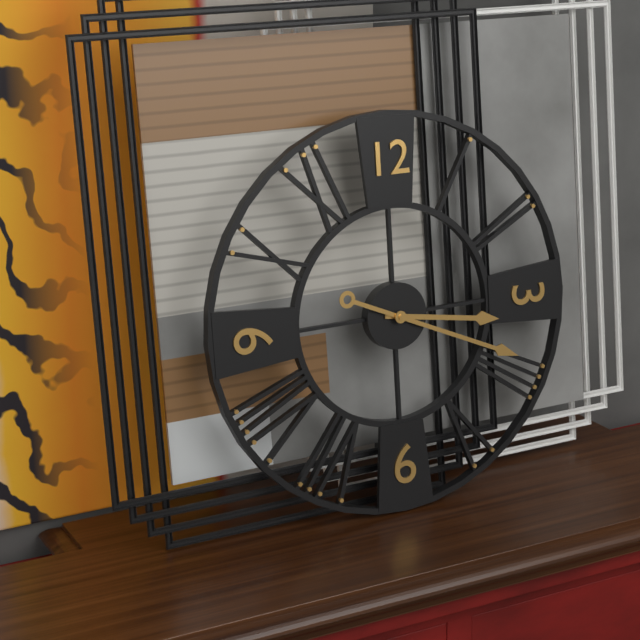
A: 3:19
